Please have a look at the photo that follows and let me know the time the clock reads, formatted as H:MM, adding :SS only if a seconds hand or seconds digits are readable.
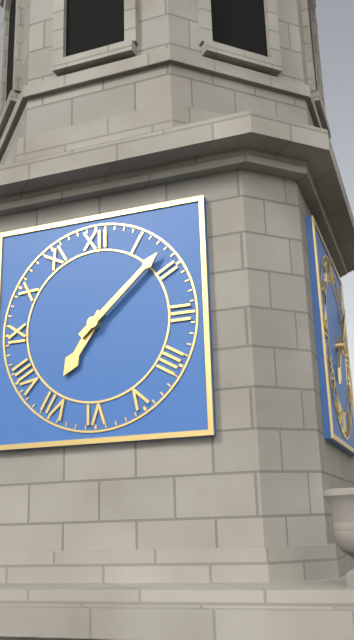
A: 7:08
